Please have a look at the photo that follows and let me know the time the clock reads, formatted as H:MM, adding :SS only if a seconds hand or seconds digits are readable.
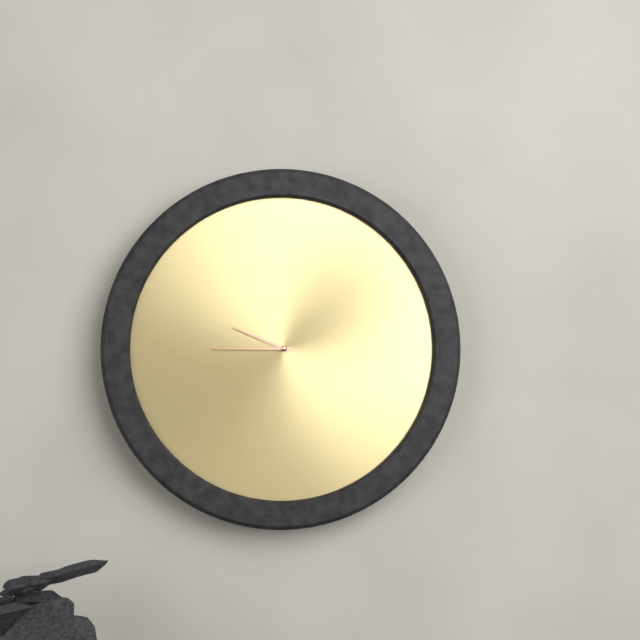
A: 9:45
